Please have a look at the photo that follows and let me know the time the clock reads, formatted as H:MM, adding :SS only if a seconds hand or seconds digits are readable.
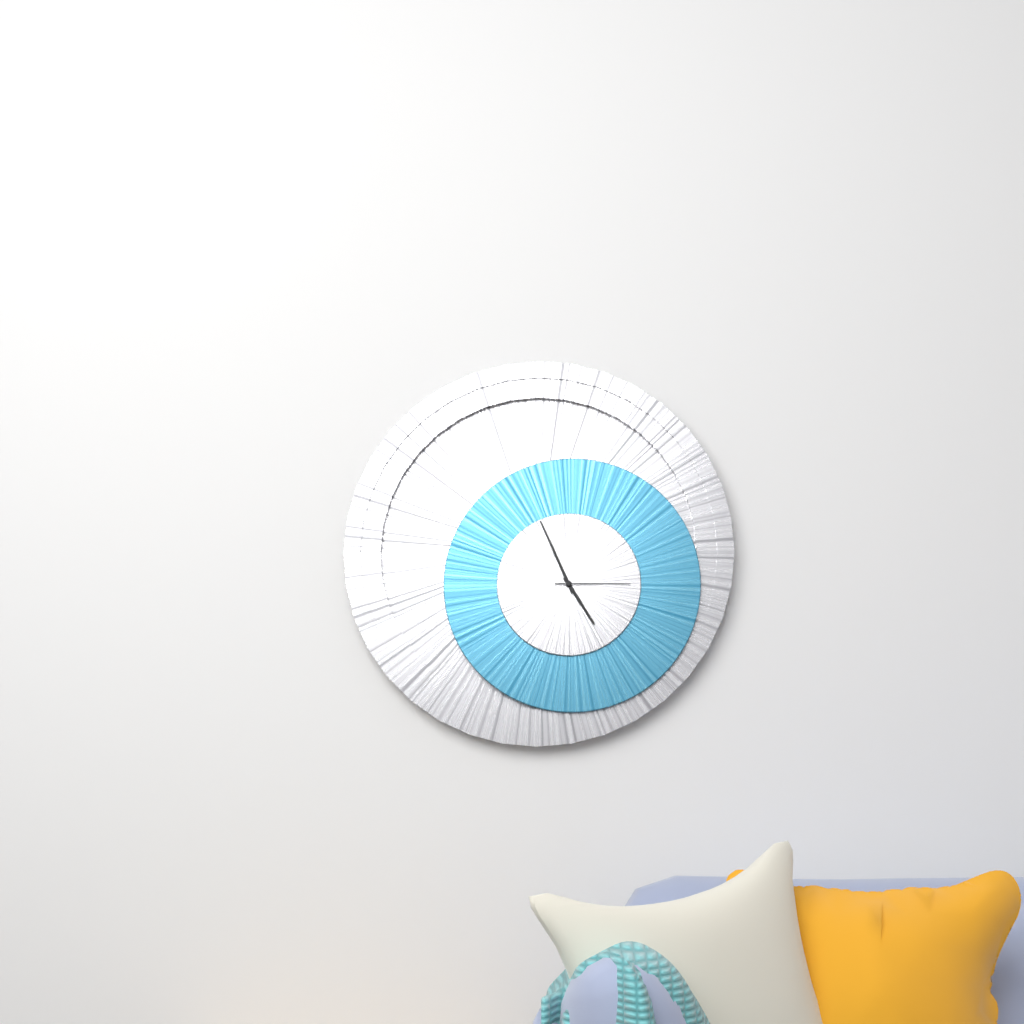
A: 4:56:15
